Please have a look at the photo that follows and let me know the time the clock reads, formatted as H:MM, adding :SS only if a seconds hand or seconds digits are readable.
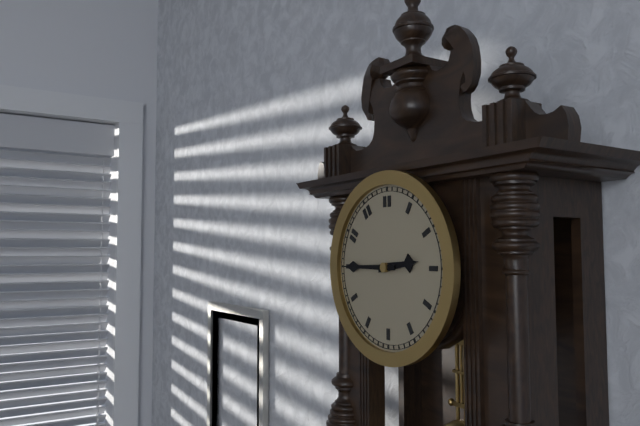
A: 2:45
